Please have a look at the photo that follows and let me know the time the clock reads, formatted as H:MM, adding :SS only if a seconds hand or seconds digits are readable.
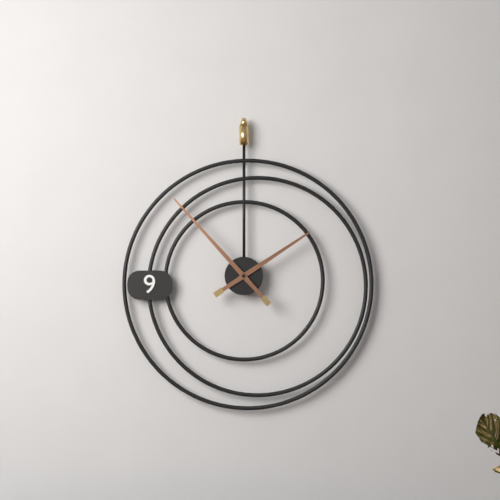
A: 1:53
